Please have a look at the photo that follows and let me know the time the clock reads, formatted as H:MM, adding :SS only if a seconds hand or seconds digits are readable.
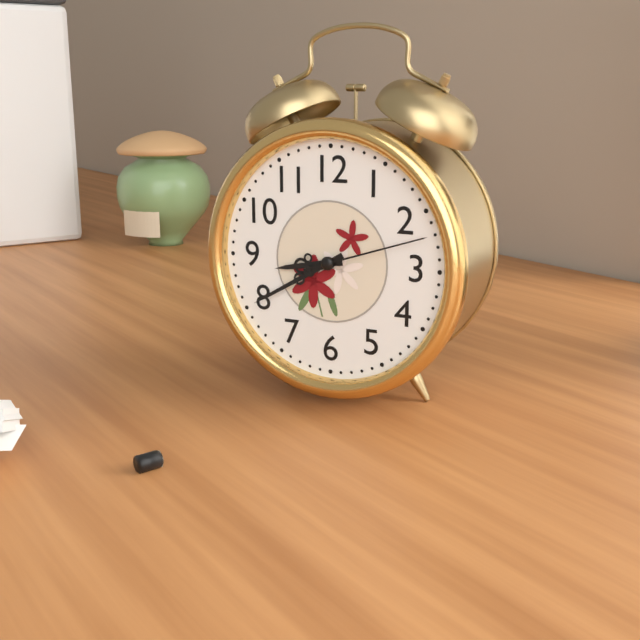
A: 8:40:12
